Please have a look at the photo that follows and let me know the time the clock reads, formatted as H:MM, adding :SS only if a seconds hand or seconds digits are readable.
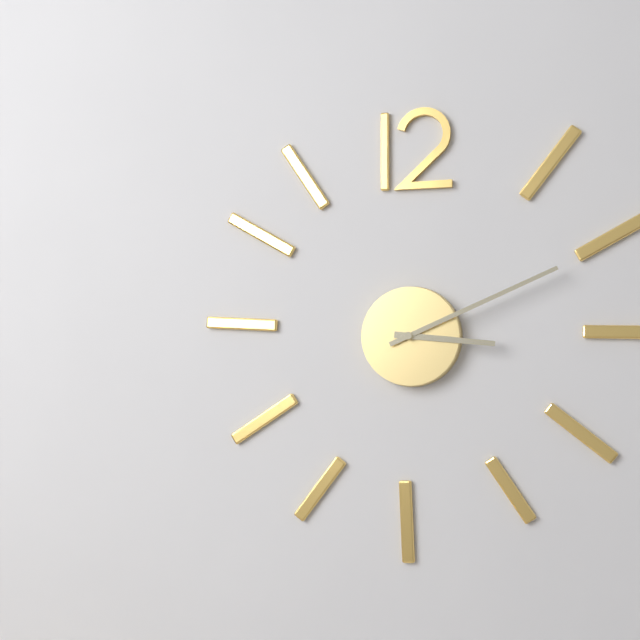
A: 3:11
